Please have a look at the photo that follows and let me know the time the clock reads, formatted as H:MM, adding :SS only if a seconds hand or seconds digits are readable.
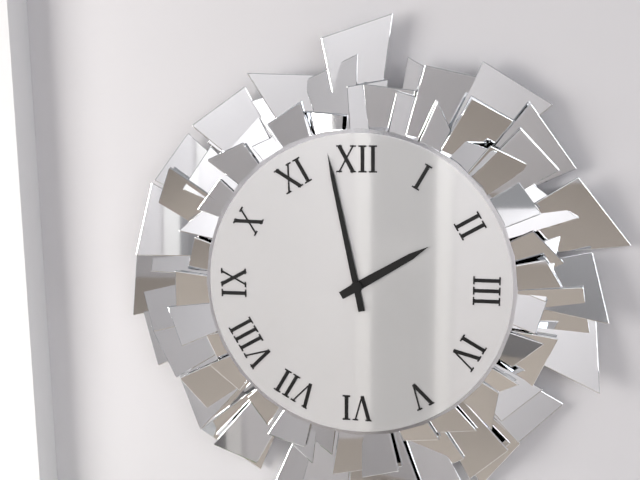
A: 1:58
